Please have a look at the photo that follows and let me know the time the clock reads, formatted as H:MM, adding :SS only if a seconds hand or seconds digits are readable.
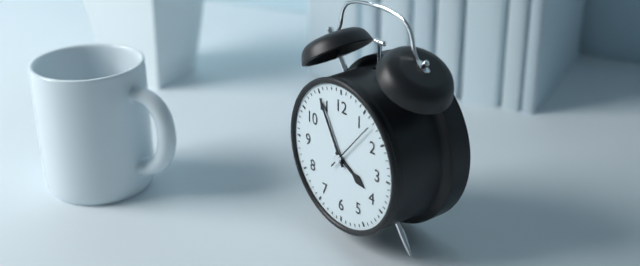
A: 3:55:07
